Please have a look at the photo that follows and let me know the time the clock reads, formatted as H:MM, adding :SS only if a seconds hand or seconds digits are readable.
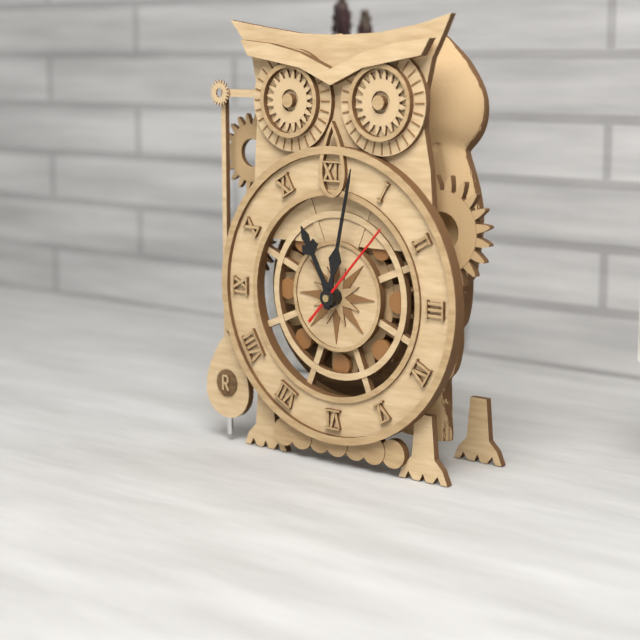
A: 11:02:07
